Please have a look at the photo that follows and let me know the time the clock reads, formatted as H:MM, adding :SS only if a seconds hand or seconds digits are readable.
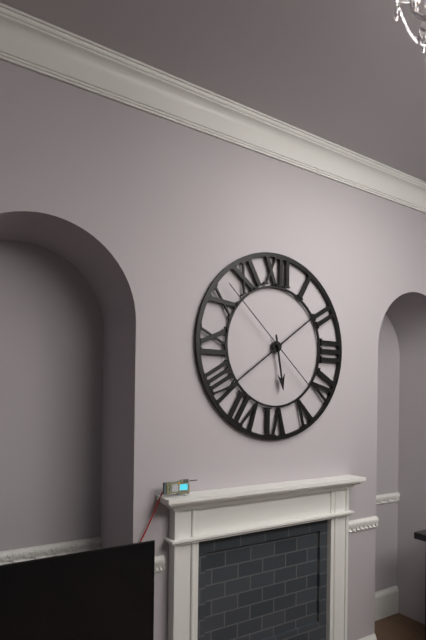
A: 5:39:52
